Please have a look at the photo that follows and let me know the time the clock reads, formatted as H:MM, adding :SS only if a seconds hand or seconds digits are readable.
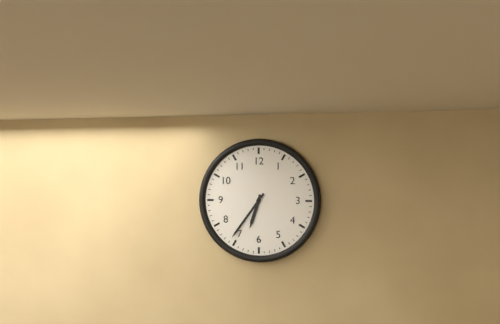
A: 6:36
